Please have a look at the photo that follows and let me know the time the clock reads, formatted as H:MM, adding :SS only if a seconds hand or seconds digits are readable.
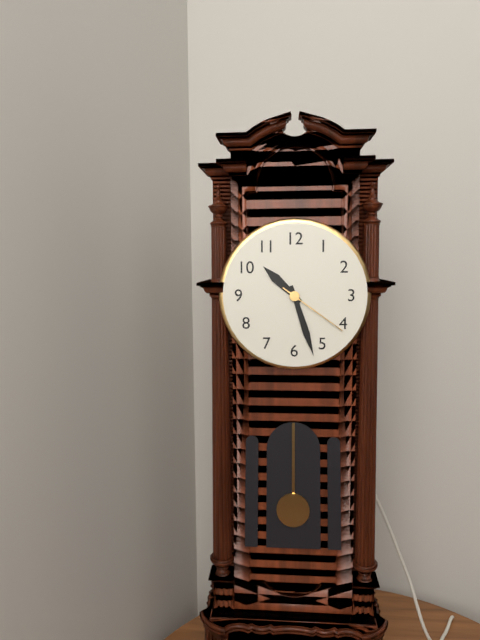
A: 10:27:21
